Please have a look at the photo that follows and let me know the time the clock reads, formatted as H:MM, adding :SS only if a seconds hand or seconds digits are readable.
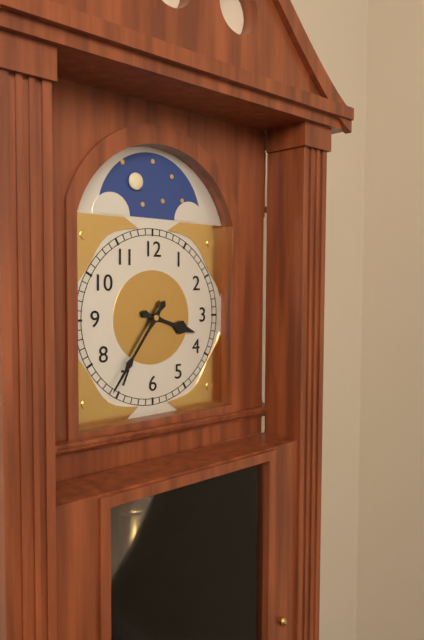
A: 3:36
